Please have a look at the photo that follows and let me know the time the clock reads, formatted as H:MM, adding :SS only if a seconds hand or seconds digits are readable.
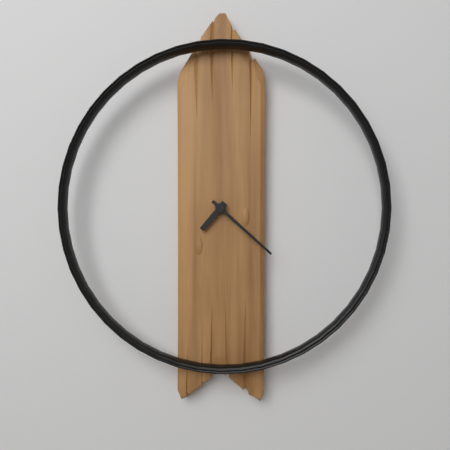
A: 7:22
